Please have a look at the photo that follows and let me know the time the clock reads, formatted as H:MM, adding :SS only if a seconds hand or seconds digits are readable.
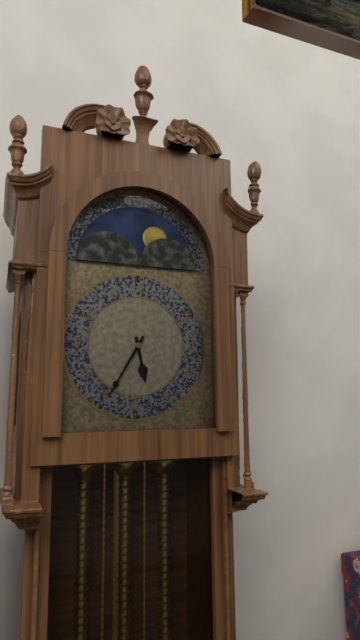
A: 5:35
